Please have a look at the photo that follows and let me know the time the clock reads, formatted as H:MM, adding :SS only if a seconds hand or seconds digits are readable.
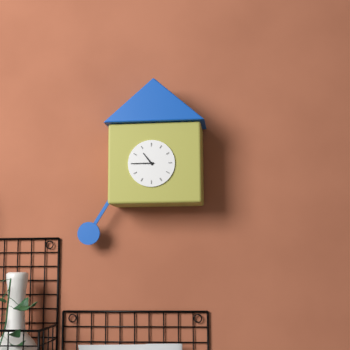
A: 10:45
